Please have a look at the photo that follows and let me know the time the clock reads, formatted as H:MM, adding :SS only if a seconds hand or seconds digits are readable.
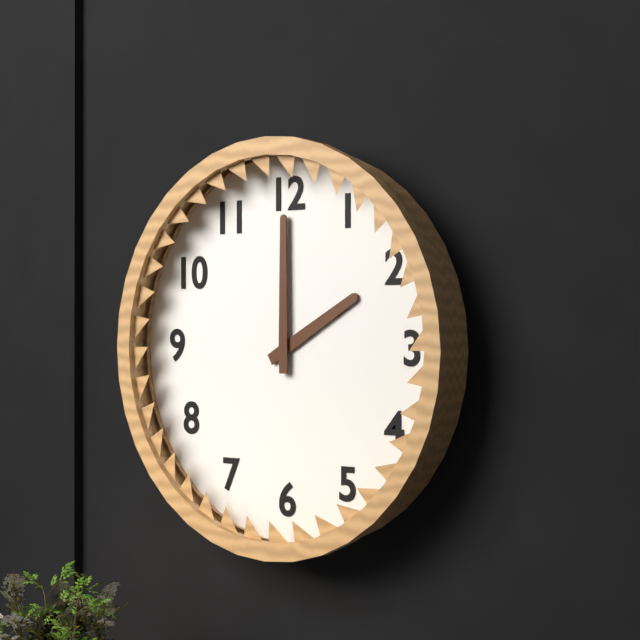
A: 2:00
